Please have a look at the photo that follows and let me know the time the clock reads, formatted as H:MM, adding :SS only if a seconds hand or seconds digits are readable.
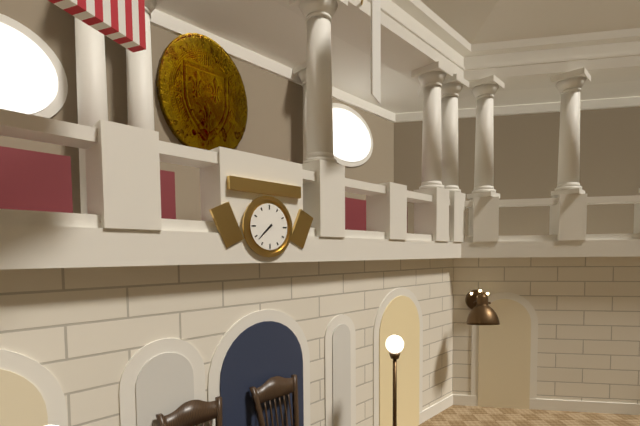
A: 7:38
